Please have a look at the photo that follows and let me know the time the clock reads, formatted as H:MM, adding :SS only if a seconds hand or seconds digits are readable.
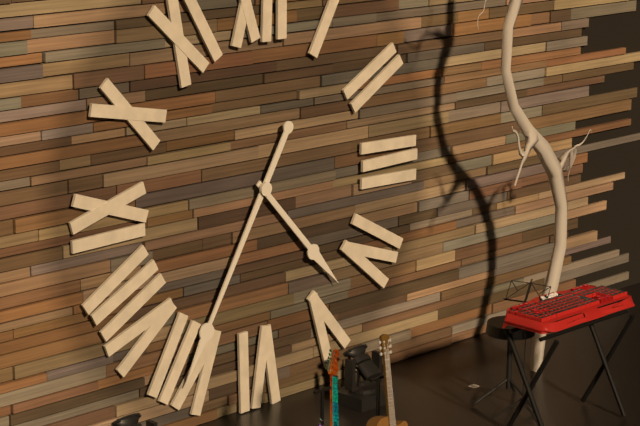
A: 4:35
